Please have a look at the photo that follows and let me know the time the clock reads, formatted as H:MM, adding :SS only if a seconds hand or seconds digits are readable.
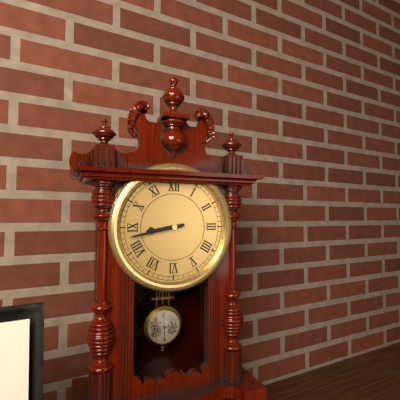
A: 8:43
